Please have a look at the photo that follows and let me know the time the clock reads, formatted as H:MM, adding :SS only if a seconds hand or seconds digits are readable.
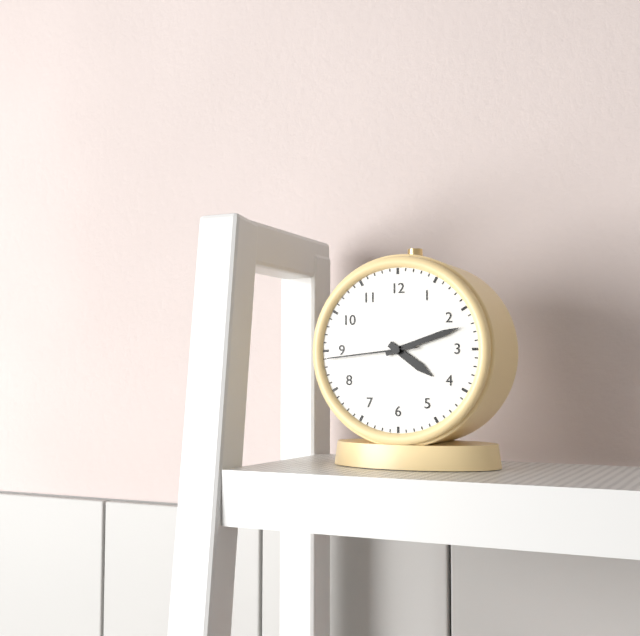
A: 4:12:44
